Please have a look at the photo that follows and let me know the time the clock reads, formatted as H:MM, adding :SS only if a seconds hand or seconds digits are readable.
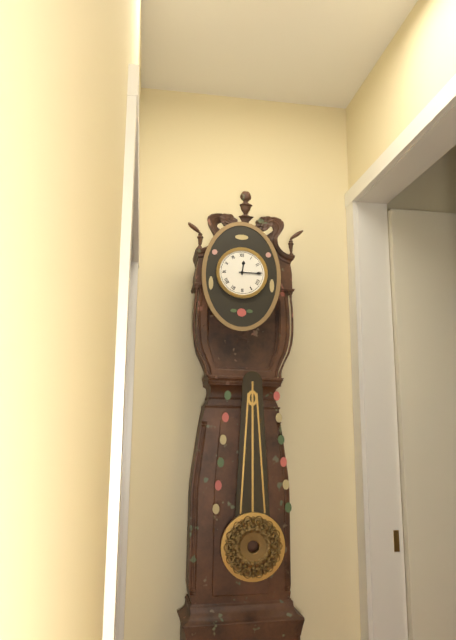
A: 12:15
